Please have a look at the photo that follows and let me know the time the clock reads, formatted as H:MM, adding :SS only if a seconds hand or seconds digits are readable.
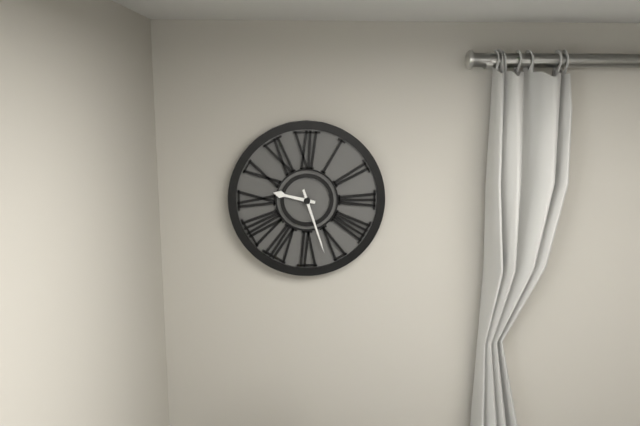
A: 9:27
